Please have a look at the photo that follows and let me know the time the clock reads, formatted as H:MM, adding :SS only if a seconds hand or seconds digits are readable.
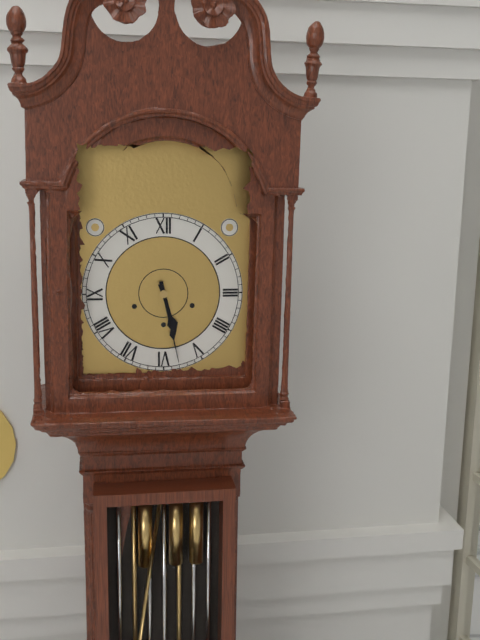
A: 5:28
